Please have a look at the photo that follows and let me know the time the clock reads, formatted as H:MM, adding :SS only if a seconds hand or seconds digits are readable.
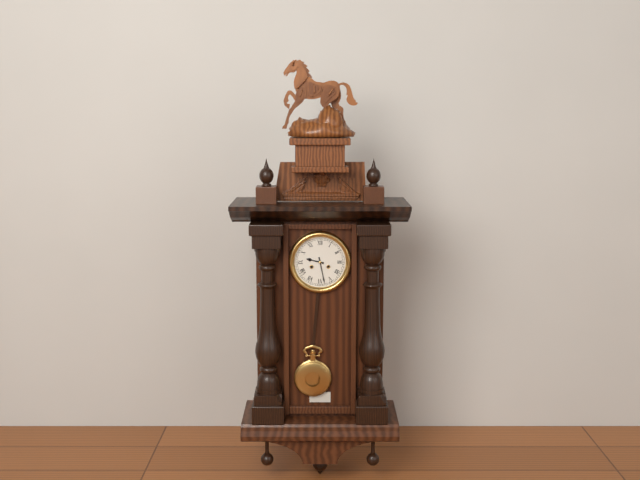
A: 9:28
